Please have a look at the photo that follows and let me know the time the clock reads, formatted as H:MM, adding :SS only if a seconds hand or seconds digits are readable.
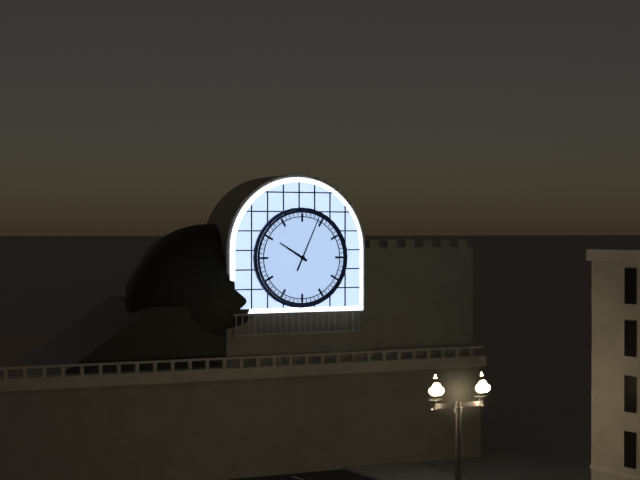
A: 10:04
